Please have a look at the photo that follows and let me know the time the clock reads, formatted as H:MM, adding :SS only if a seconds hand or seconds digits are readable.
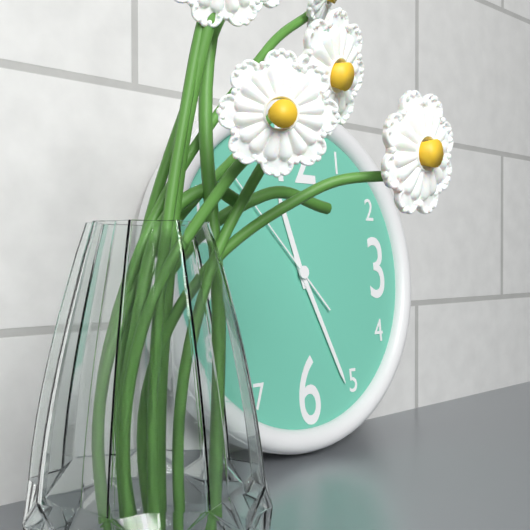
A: 11:26
